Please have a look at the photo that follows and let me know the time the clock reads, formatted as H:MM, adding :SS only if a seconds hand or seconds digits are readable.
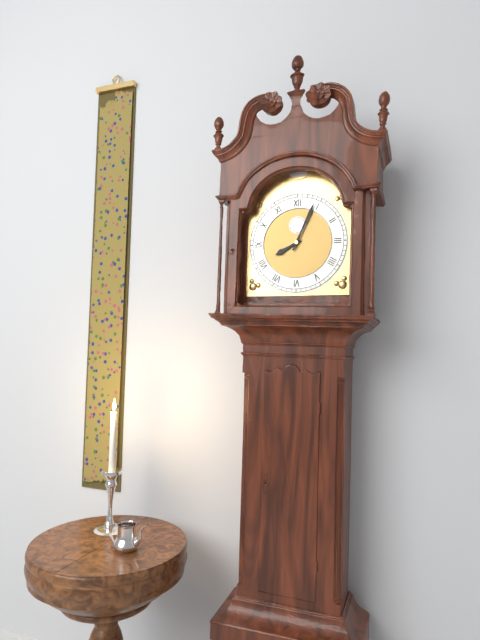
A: 8:04
